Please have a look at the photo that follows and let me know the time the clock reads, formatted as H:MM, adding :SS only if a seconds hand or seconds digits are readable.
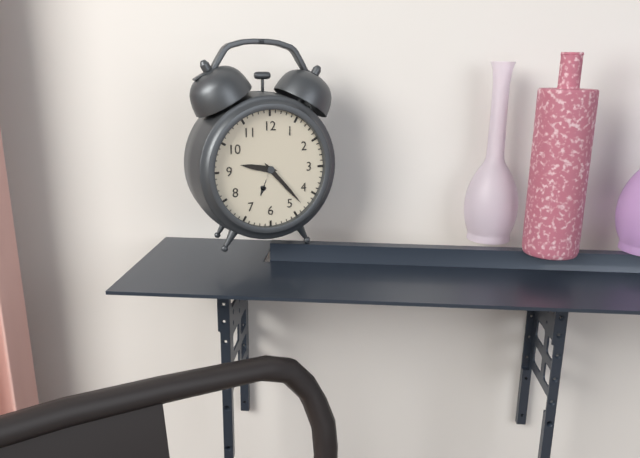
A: 9:23
